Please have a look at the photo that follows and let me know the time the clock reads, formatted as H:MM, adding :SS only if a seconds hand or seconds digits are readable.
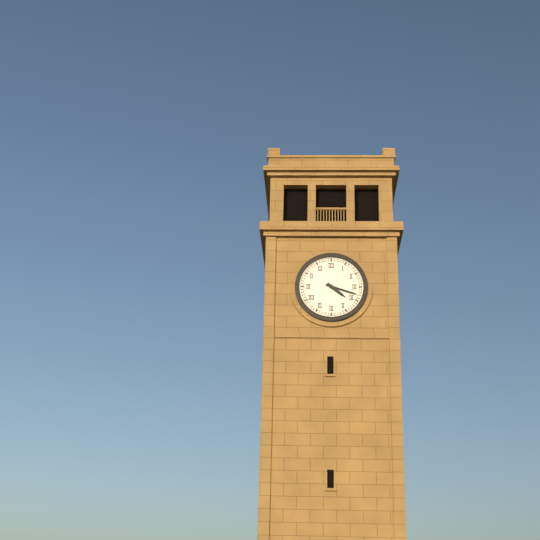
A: 4:18
